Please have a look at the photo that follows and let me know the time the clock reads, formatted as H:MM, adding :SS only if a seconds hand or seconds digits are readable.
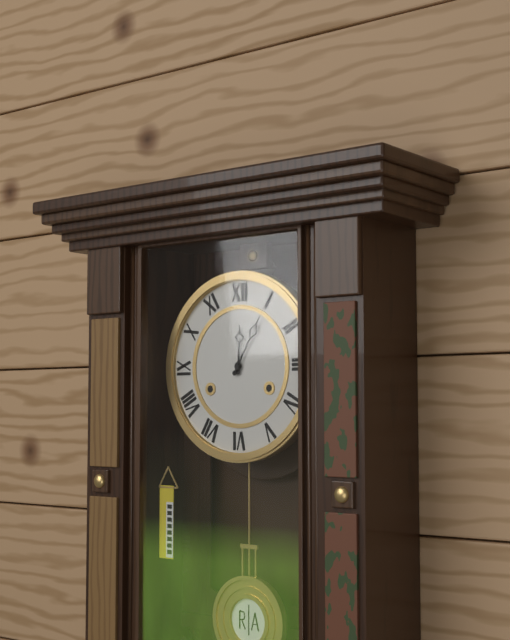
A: 12:05
